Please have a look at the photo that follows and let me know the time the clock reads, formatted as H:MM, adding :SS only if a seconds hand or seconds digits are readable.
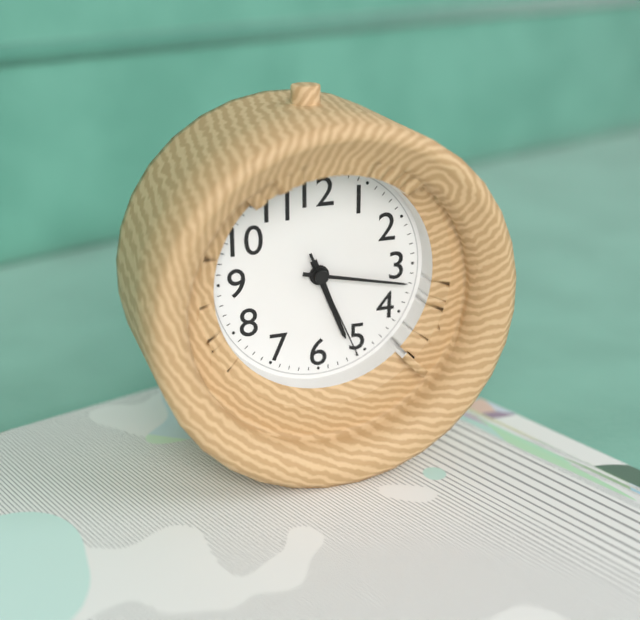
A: 5:17:26
